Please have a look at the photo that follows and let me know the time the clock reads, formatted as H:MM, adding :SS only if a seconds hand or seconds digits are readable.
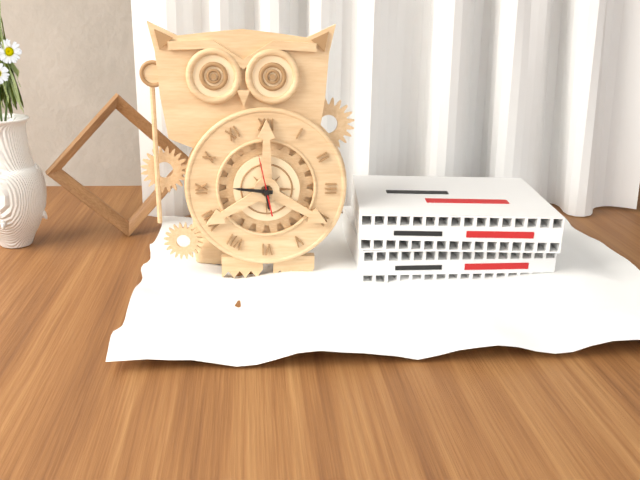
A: 5:46
